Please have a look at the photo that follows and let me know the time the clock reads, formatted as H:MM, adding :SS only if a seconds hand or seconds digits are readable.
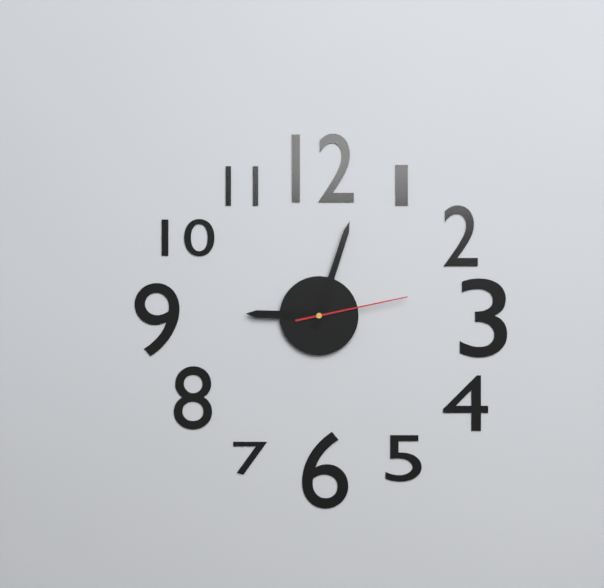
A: 9:03:13
